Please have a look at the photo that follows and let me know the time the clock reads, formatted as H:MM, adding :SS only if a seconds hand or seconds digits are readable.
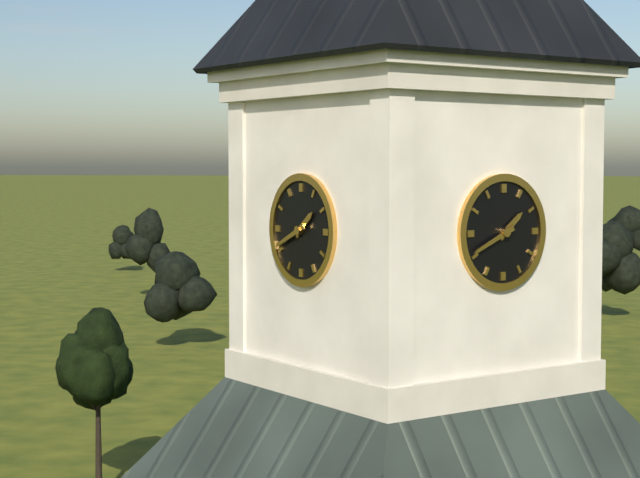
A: 1:41
